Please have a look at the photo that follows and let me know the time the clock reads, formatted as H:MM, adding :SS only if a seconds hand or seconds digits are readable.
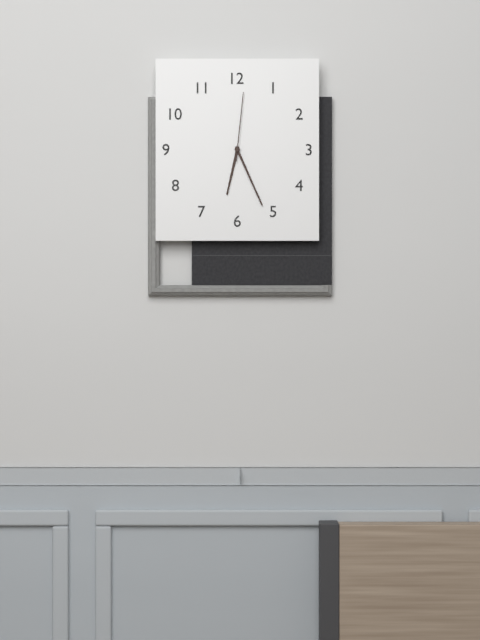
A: 6:26:01
